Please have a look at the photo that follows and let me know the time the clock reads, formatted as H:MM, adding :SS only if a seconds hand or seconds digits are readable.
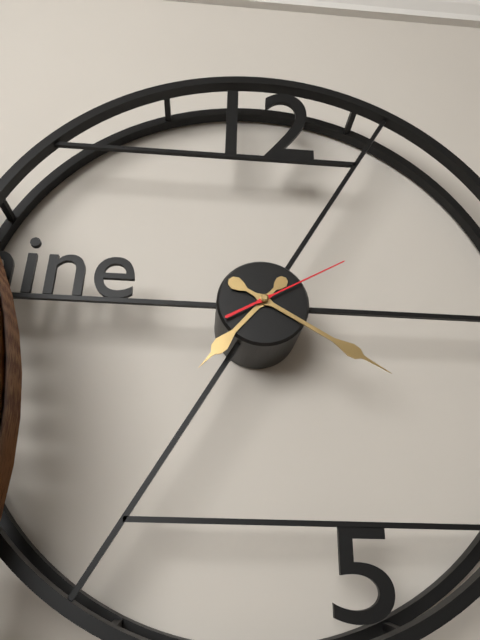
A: 7:20:10
